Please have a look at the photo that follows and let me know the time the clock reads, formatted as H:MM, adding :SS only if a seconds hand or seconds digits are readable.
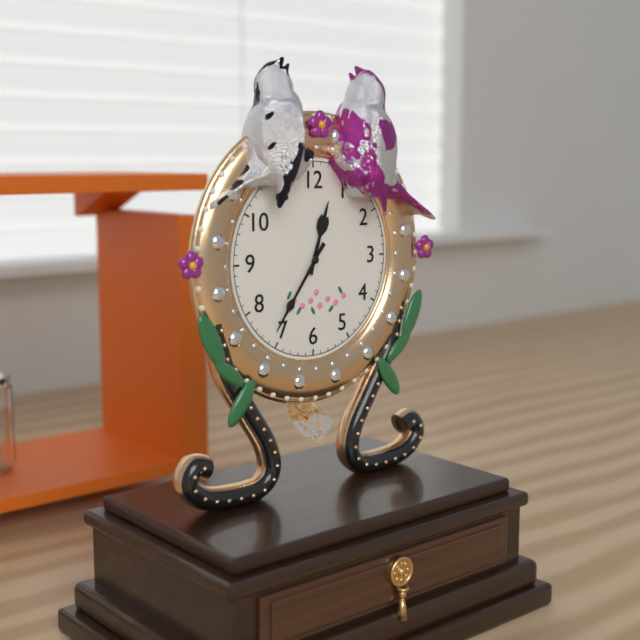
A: 12:36
